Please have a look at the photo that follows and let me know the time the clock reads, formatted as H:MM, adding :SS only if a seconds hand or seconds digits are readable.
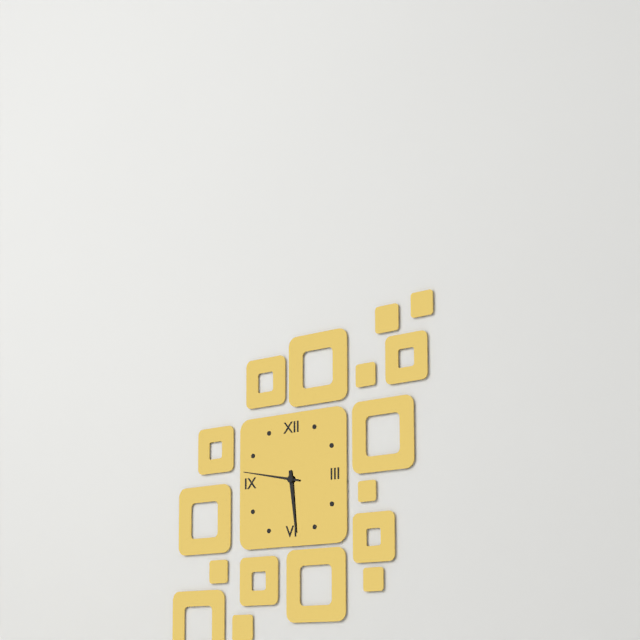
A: 5:47
